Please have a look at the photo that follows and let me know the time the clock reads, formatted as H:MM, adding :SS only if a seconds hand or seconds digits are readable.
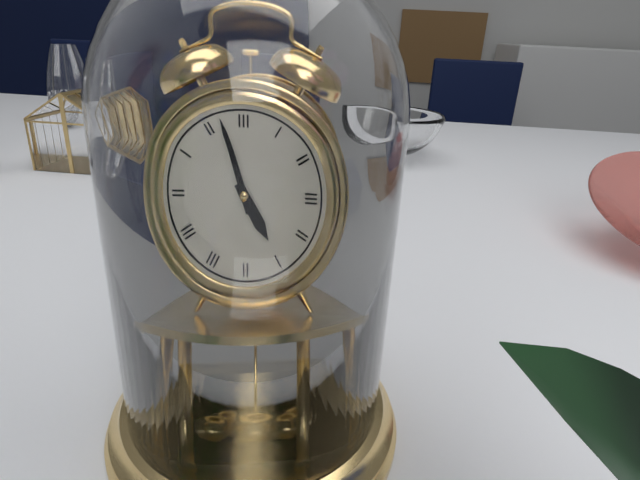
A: 4:57
